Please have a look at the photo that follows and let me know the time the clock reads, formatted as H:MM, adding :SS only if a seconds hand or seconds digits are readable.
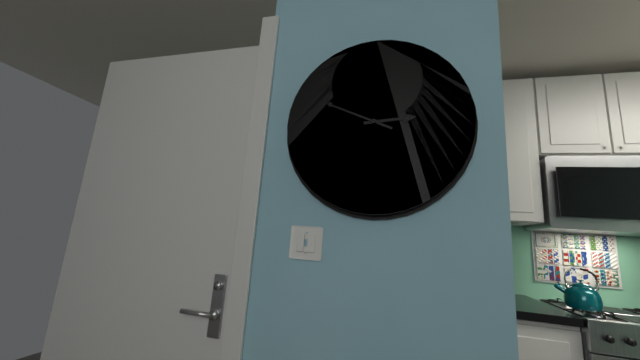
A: 2:49
